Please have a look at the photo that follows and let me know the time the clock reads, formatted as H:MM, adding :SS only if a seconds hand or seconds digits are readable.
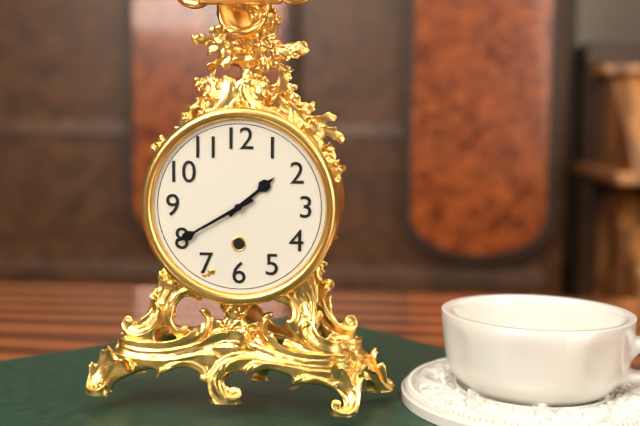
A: 1:40
